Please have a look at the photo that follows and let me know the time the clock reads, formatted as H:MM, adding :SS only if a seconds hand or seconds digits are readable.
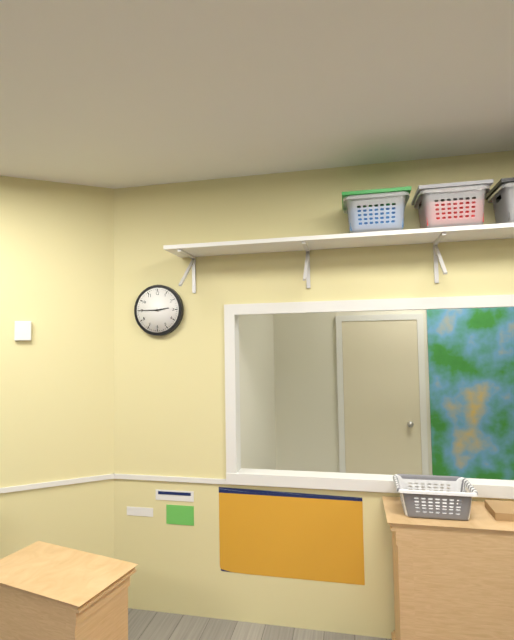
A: 2:45
